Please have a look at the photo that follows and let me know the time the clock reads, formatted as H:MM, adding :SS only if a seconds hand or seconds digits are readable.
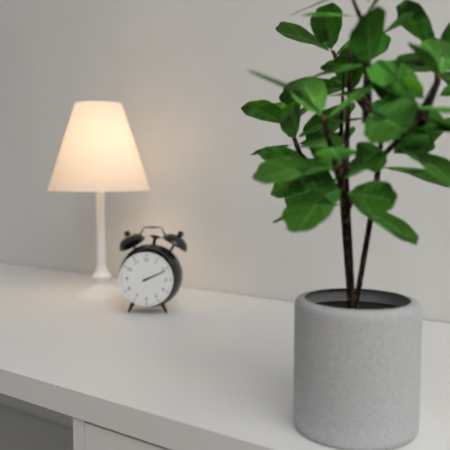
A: 2:11
